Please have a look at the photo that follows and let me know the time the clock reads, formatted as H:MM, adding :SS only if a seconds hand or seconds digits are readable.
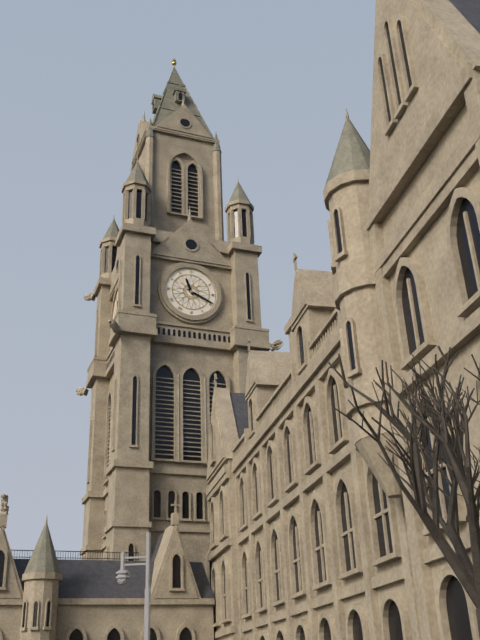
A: 11:19
